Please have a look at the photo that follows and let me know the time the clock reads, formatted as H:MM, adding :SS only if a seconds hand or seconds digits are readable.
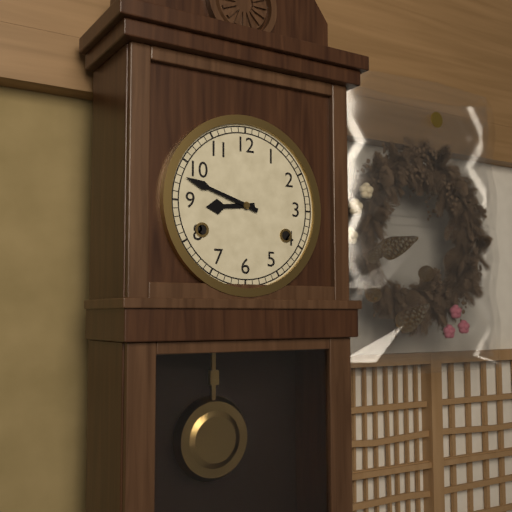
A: 8:48
